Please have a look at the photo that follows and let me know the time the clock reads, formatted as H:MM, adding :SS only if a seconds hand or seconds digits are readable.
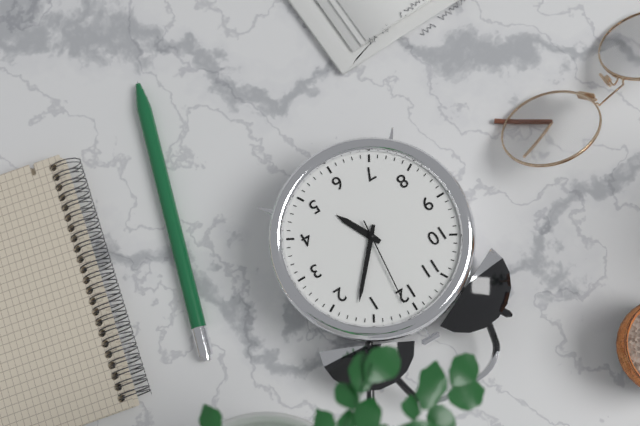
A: 5:07:01
